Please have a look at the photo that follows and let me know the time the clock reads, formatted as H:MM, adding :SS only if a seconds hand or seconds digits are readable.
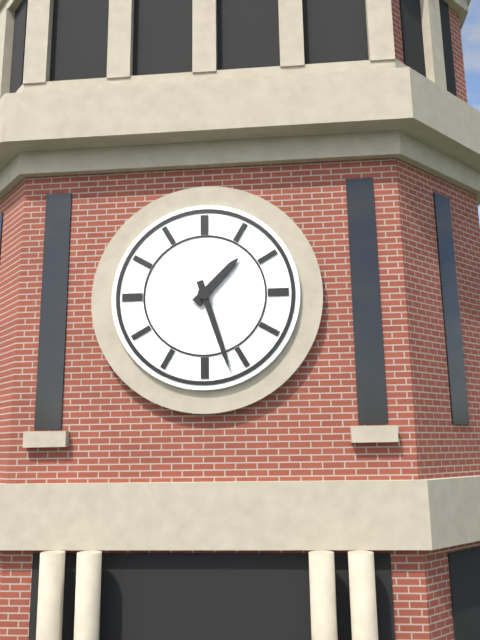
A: 1:27
